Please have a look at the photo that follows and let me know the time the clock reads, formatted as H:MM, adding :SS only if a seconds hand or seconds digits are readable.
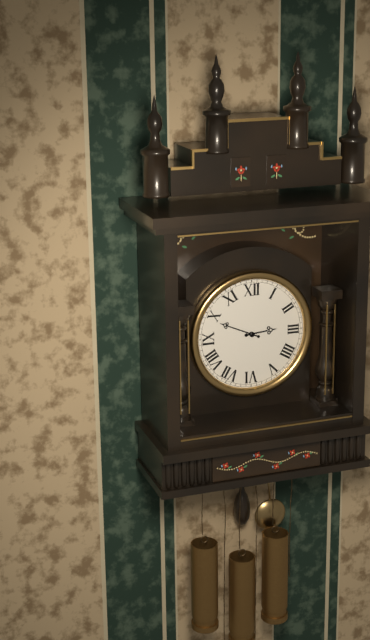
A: 2:49
